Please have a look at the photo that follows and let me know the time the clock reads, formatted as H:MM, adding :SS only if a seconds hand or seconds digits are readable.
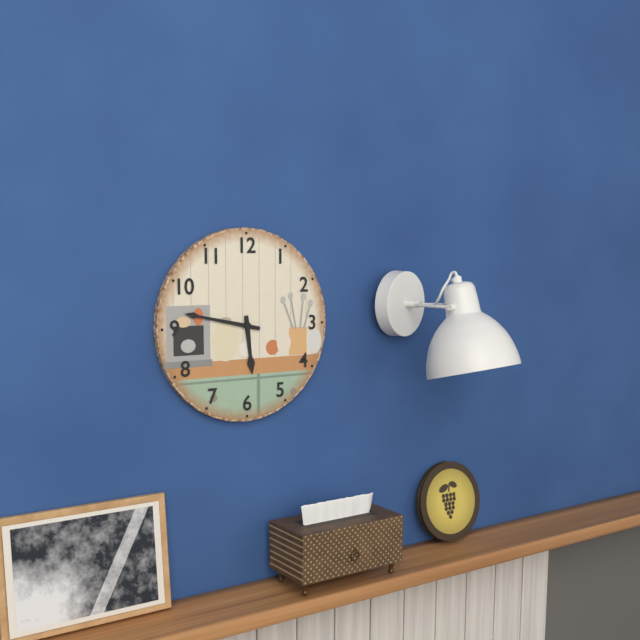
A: 5:47
